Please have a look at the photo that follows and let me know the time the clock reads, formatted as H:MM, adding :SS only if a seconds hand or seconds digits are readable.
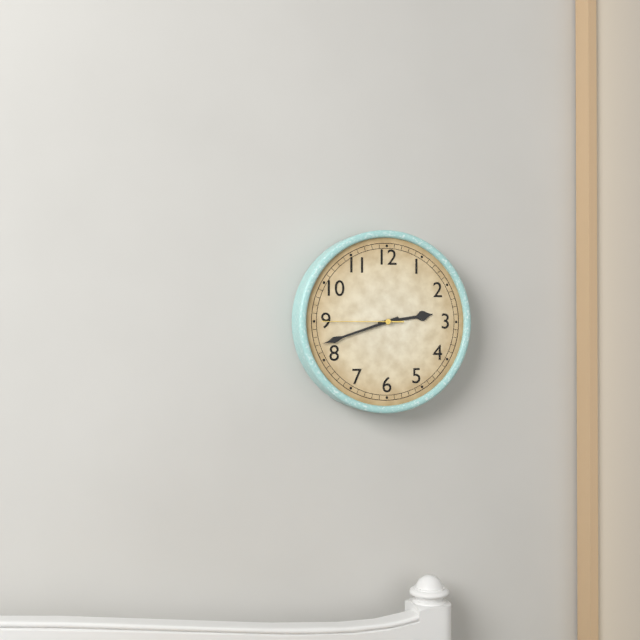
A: 2:42:45
